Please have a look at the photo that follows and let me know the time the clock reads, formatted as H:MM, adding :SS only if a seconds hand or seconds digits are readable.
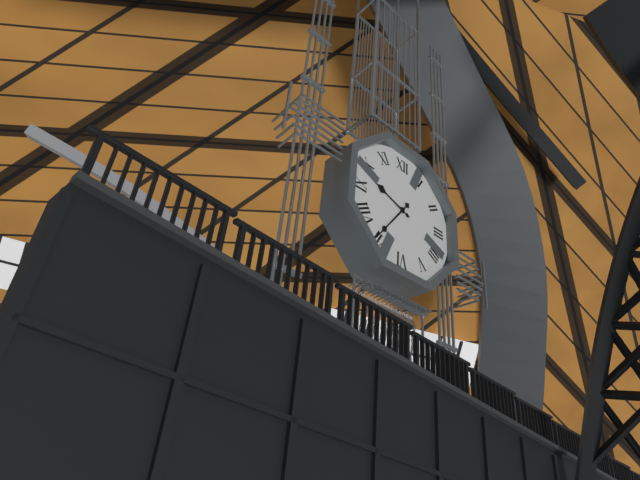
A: 9:36
